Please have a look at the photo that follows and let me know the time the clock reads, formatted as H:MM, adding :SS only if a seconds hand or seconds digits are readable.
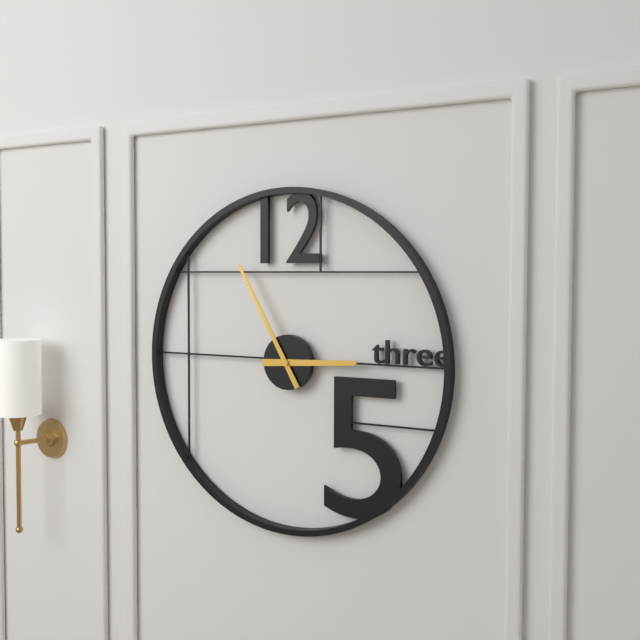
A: 2:55
